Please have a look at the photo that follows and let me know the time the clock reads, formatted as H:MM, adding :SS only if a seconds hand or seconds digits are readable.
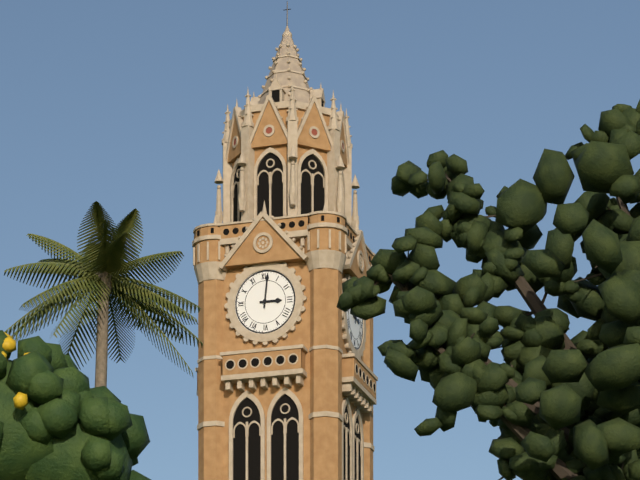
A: 3:01
